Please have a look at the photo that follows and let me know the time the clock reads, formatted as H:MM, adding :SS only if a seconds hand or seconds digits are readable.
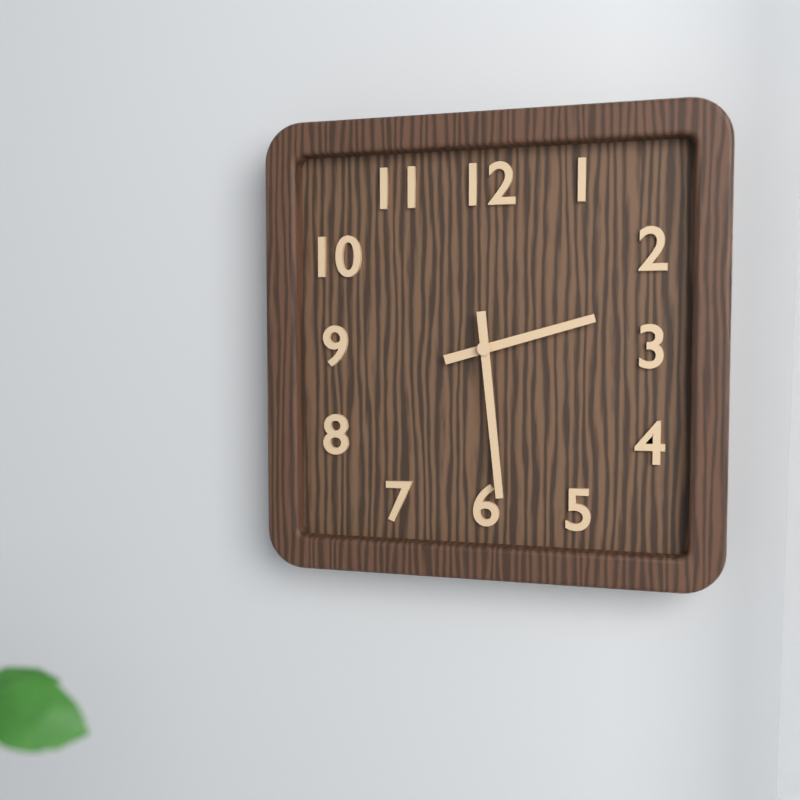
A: 2:29
